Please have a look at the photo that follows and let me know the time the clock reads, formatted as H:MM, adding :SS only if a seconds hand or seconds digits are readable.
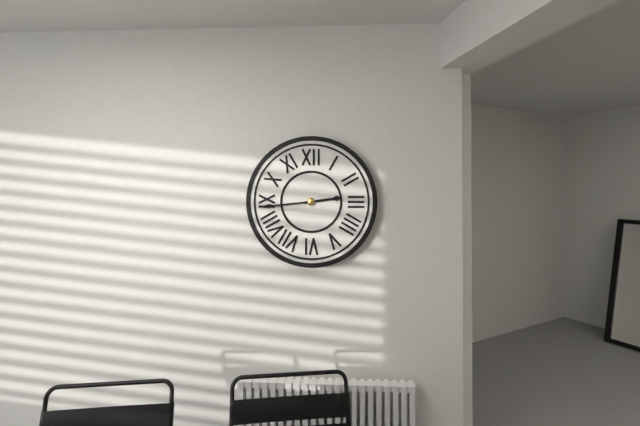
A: 2:44
